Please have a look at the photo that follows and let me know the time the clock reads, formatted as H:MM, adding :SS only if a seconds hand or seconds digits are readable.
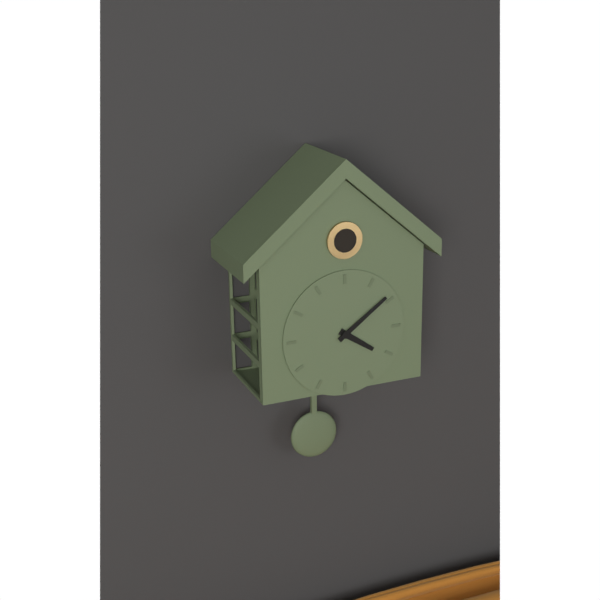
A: 4:09
